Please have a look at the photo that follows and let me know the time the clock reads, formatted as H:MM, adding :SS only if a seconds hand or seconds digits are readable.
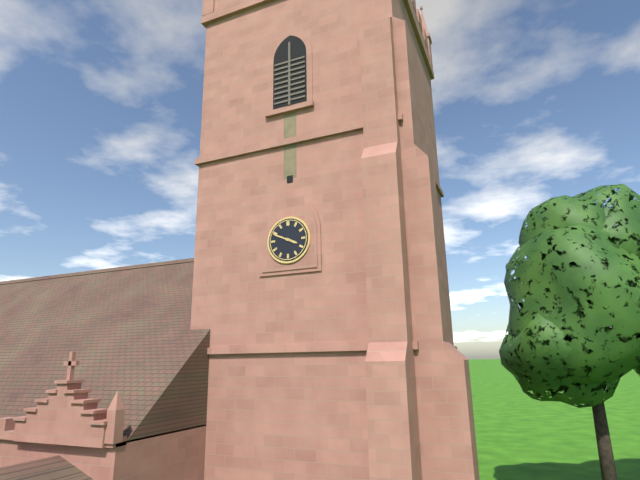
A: 3:49
